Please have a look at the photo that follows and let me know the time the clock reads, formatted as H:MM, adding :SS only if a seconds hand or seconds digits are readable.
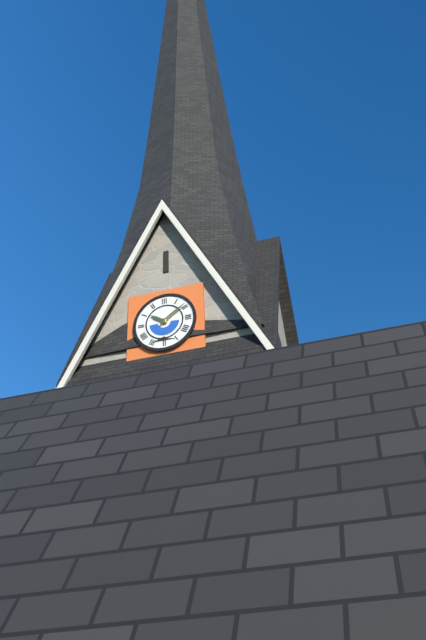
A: 10:09
